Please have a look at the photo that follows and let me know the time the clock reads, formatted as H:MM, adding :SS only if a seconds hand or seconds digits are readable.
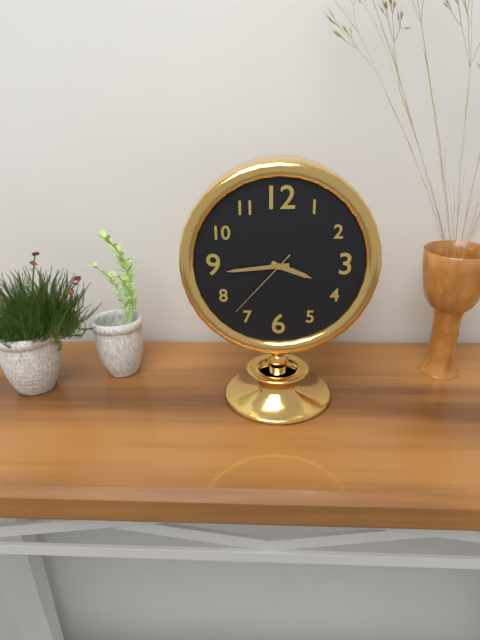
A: 3:44:37
